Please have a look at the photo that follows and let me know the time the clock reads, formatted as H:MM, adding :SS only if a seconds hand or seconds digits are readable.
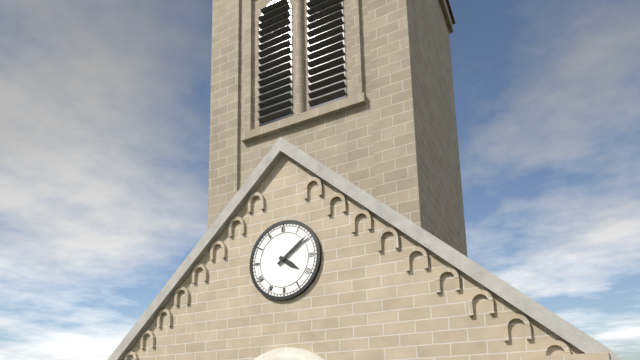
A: 4:09
